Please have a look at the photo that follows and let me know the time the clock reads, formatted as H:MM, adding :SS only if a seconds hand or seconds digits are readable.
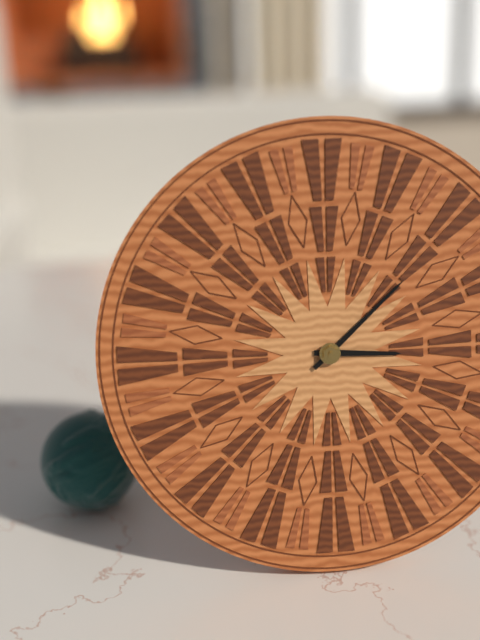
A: 3:08
